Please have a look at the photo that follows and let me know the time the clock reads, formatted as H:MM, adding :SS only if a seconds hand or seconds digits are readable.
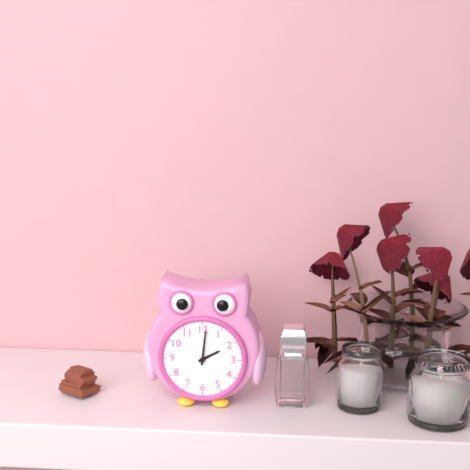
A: 2:01
